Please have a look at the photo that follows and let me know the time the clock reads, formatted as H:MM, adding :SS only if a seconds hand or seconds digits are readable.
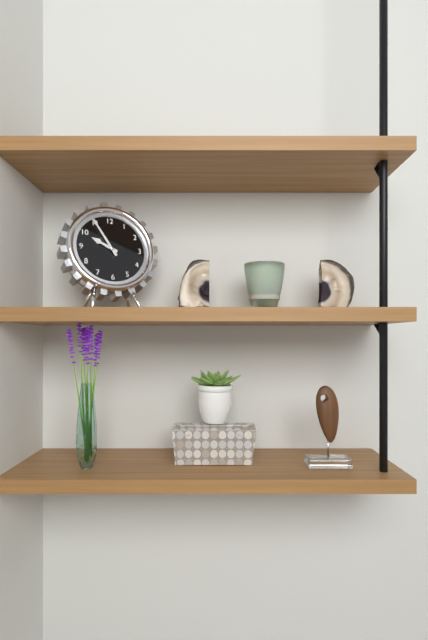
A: 9:55
